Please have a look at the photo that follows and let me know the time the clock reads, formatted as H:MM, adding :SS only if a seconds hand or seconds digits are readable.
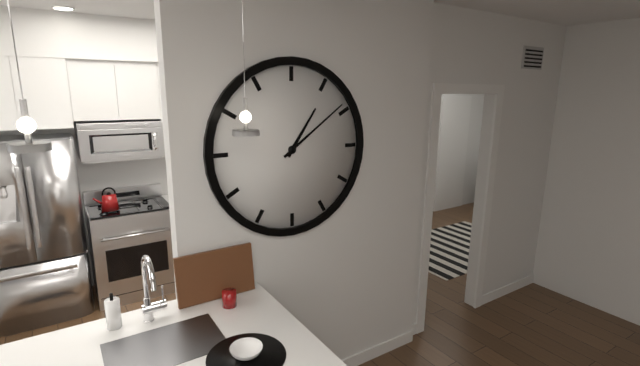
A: 1:09
